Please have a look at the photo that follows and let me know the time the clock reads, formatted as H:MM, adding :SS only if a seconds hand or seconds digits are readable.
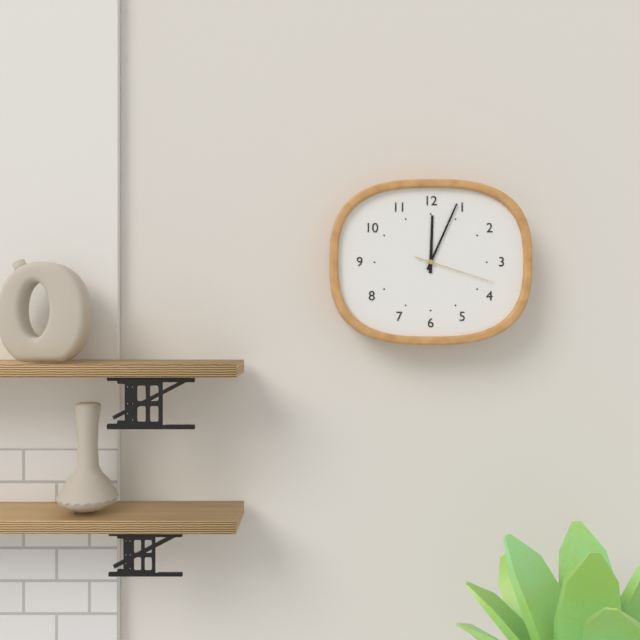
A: 12:04:18
